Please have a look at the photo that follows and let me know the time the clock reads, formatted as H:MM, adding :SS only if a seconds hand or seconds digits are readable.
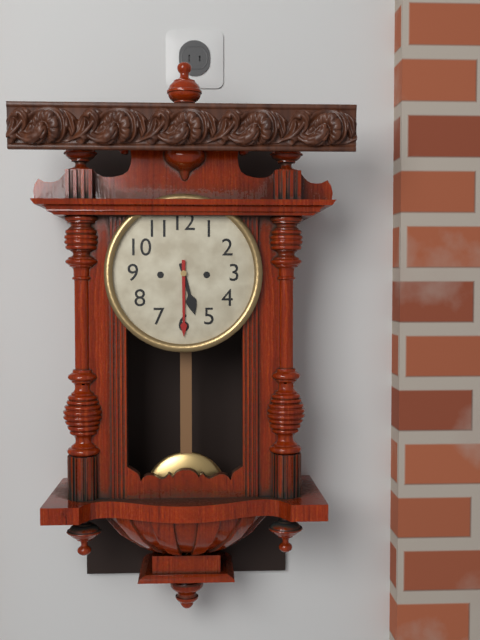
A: 5:30
